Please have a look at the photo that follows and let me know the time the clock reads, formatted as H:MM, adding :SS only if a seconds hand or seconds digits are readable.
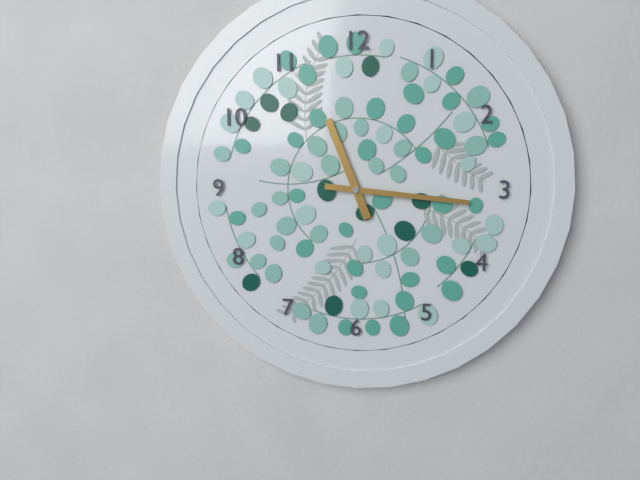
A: 11:16
